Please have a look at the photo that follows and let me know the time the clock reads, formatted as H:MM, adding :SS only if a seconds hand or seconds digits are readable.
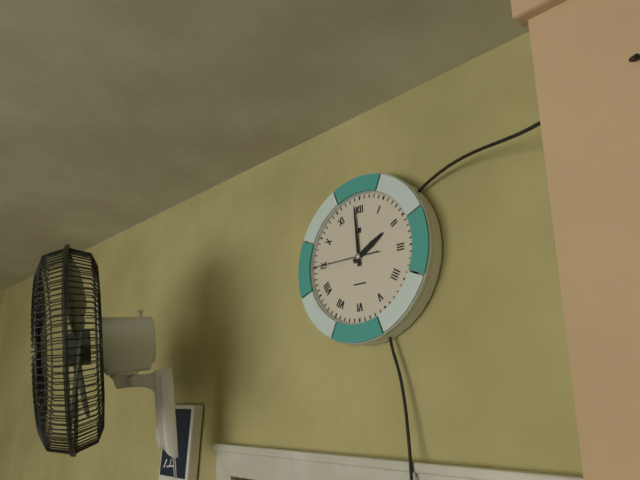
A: 1:59:45
